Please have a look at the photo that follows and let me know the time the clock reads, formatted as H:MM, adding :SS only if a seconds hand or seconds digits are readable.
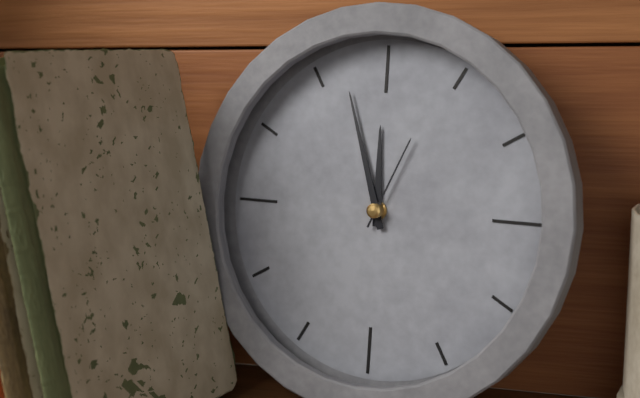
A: 11:57:04
